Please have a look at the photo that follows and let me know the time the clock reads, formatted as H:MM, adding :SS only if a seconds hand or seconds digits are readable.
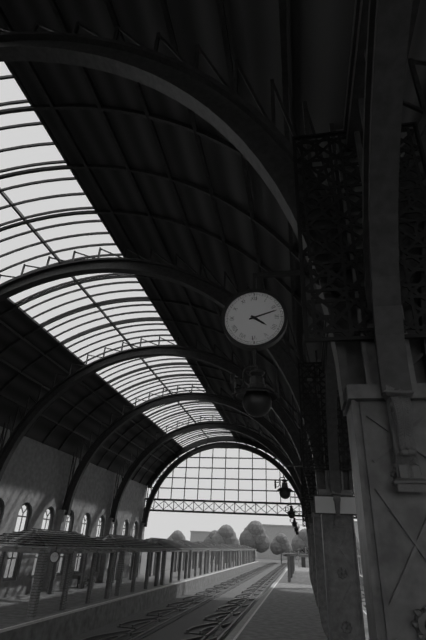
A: 4:12
